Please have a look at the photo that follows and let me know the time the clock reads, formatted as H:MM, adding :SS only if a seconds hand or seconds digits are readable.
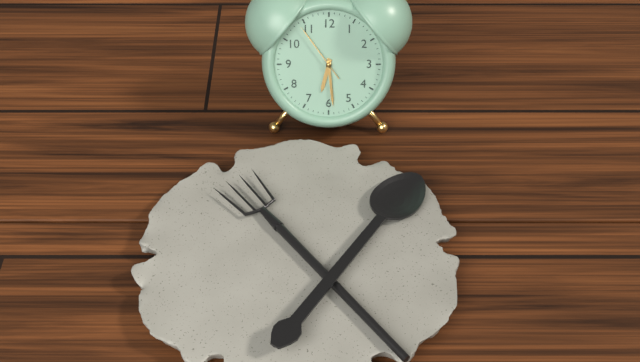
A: 6:29:54
